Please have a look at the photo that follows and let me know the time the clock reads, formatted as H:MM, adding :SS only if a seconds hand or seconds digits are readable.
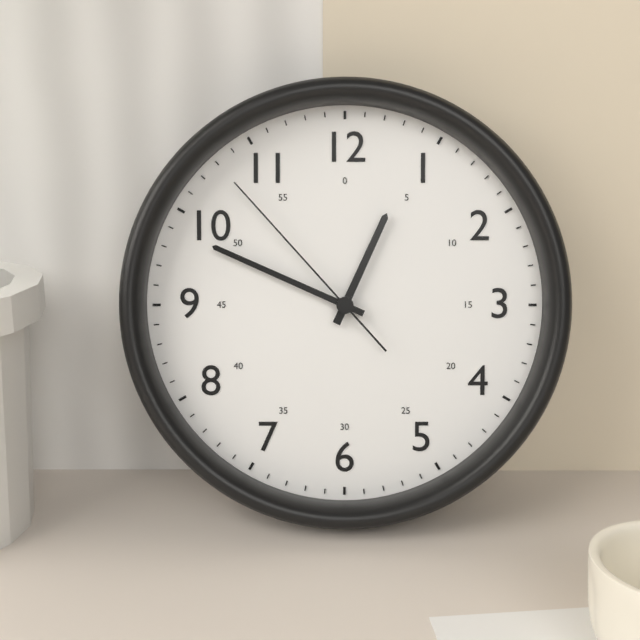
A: 12:49:53
